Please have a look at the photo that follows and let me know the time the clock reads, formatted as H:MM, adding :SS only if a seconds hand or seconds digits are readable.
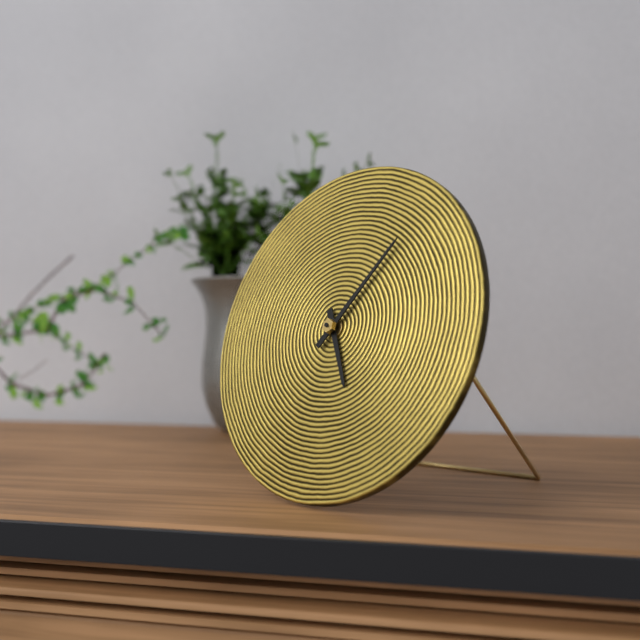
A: 5:06
